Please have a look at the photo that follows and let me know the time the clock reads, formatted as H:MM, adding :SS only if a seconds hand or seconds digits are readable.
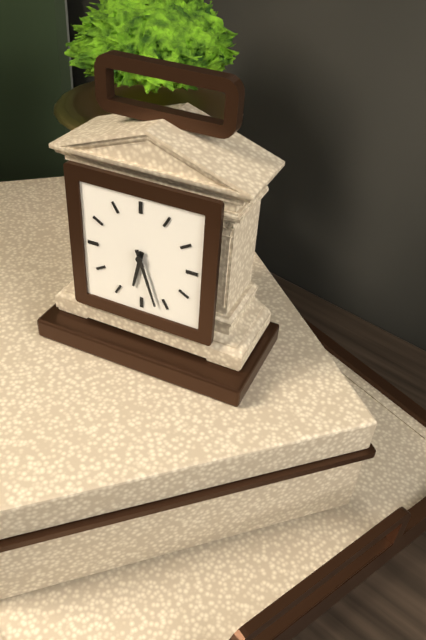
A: 6:27
